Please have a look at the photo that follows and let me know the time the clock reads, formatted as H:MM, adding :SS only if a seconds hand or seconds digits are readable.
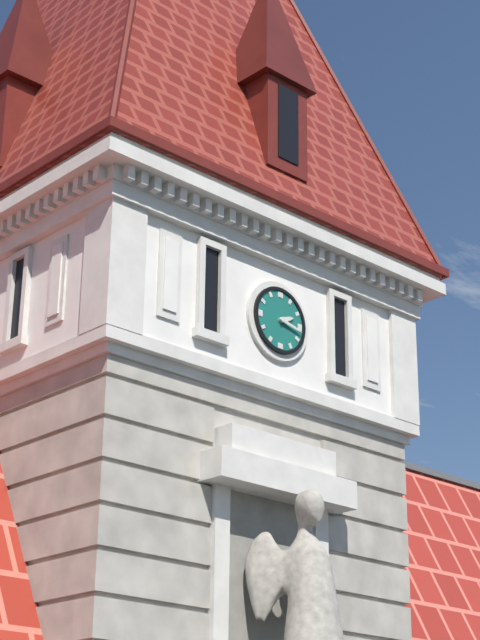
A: 2:17
